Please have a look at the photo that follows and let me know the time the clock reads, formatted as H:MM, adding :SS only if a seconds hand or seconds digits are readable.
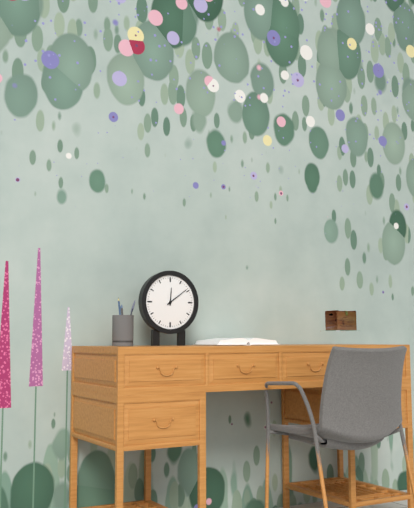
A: 12:09
